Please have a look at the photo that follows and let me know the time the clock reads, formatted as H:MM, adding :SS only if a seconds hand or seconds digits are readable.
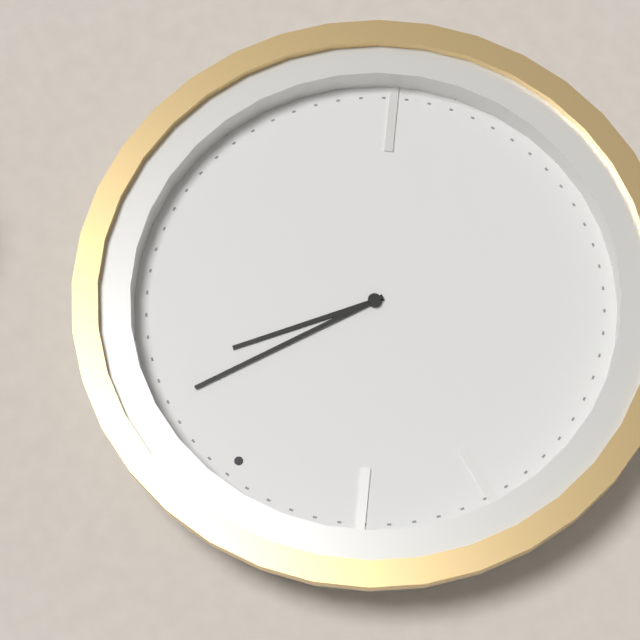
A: 1:04
